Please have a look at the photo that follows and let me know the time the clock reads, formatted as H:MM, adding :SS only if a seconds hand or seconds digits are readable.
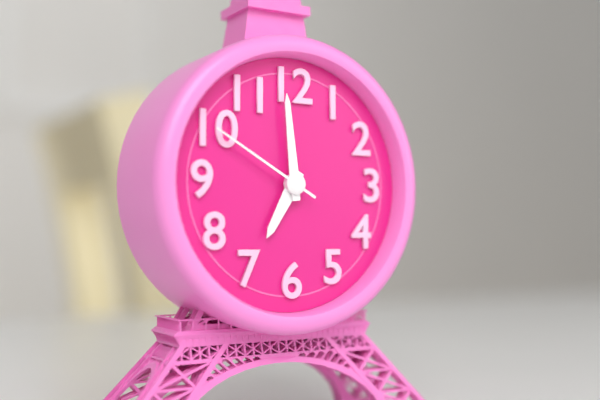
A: 6:59:50
